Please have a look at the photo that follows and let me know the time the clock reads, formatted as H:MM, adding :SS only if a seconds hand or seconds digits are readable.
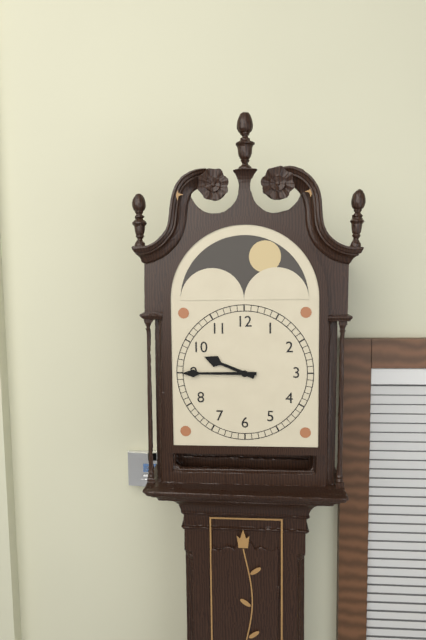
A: 9:45
